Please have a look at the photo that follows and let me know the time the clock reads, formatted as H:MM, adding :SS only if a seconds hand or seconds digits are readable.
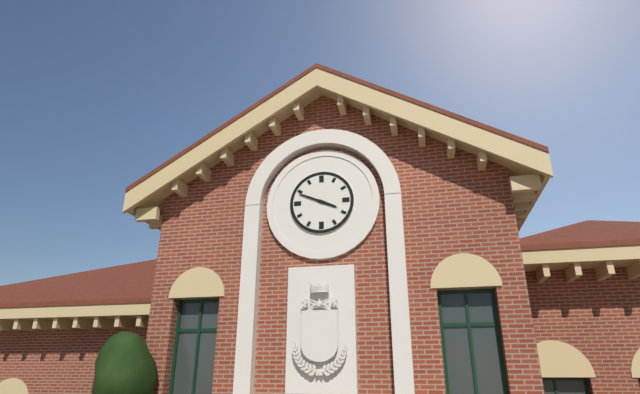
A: 3:49
